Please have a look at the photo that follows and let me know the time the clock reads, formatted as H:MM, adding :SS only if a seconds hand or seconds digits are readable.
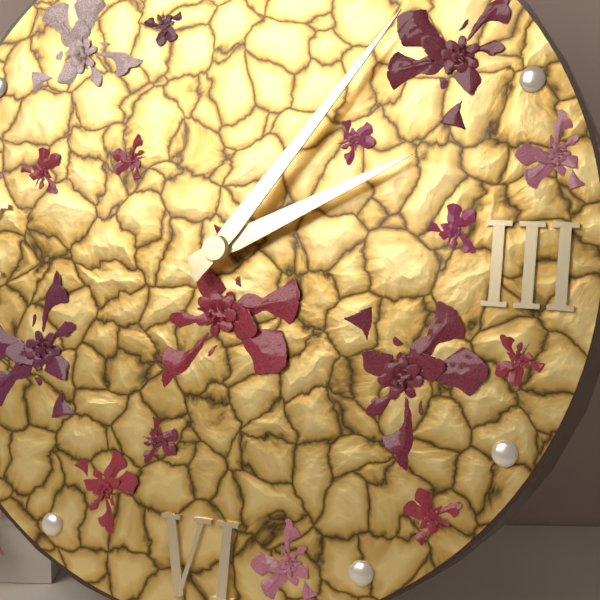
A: 2:06
